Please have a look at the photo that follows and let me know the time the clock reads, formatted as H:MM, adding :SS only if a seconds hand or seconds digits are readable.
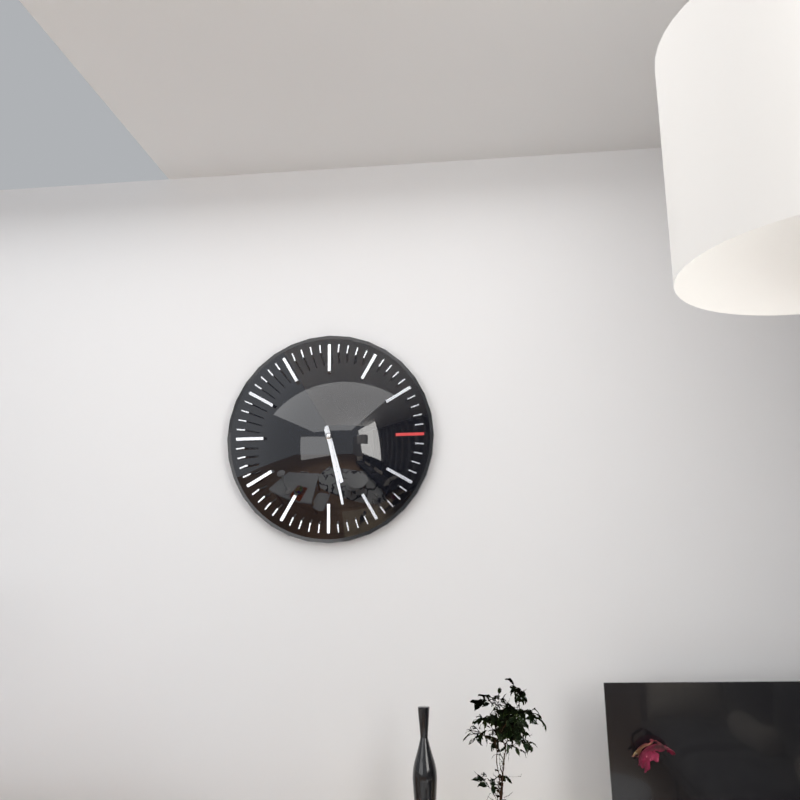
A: 5:28
